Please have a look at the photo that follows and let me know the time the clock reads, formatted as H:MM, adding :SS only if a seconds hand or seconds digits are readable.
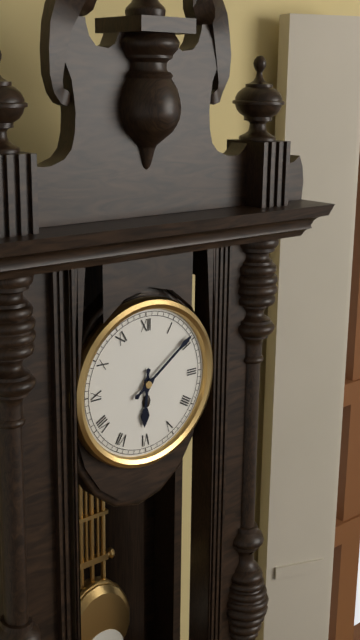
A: 6:09
